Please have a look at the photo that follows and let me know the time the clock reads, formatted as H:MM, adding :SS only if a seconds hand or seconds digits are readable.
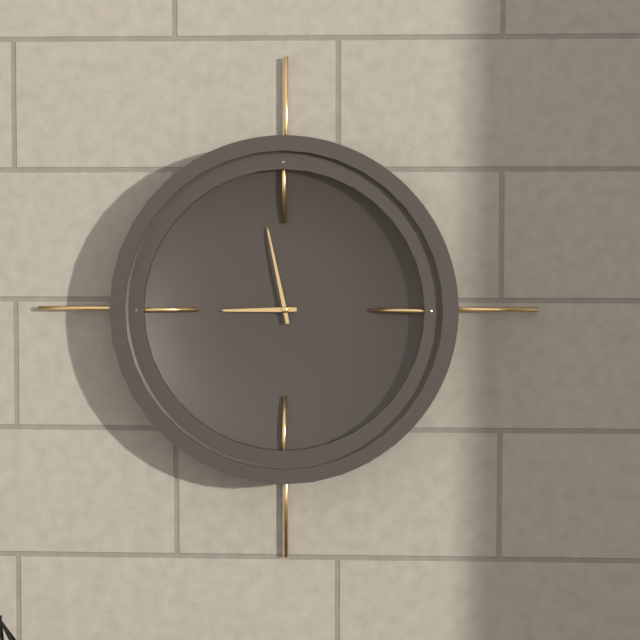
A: 8:58
